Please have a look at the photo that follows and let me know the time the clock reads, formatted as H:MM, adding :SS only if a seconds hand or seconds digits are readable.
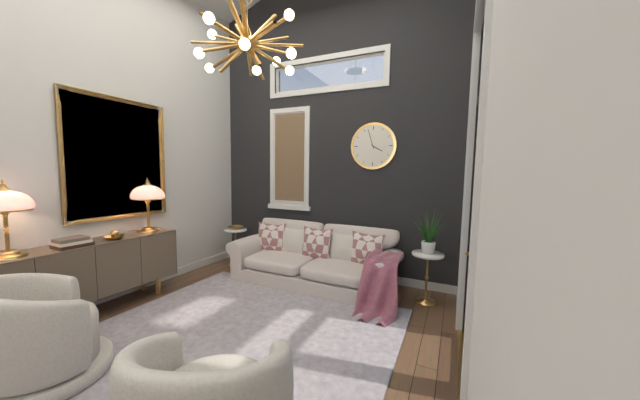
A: 3:57
